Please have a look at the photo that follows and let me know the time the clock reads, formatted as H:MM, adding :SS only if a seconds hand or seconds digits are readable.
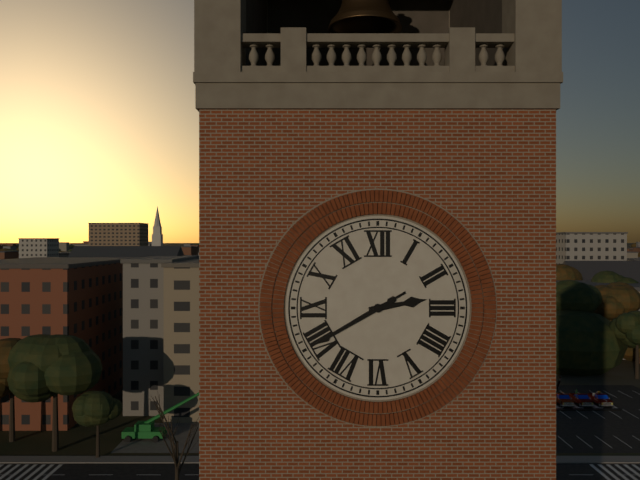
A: 2:40
